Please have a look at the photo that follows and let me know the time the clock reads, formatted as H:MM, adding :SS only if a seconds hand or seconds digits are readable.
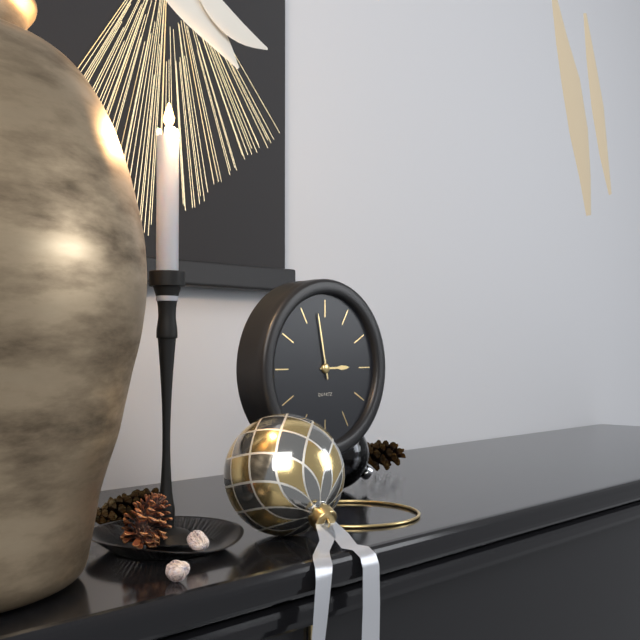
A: 2:58
